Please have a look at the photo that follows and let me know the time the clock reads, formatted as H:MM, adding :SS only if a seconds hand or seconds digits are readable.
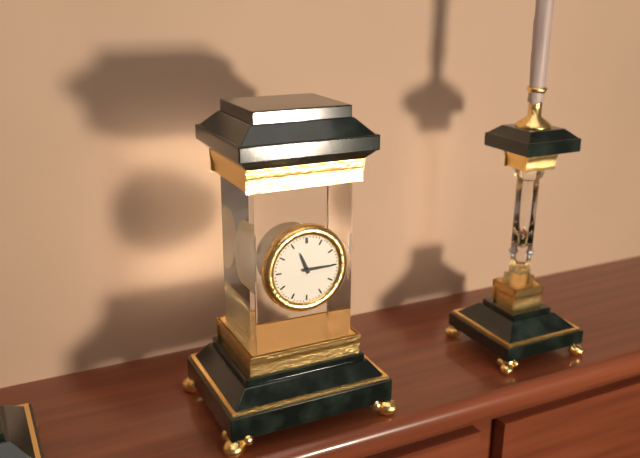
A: 11:15
